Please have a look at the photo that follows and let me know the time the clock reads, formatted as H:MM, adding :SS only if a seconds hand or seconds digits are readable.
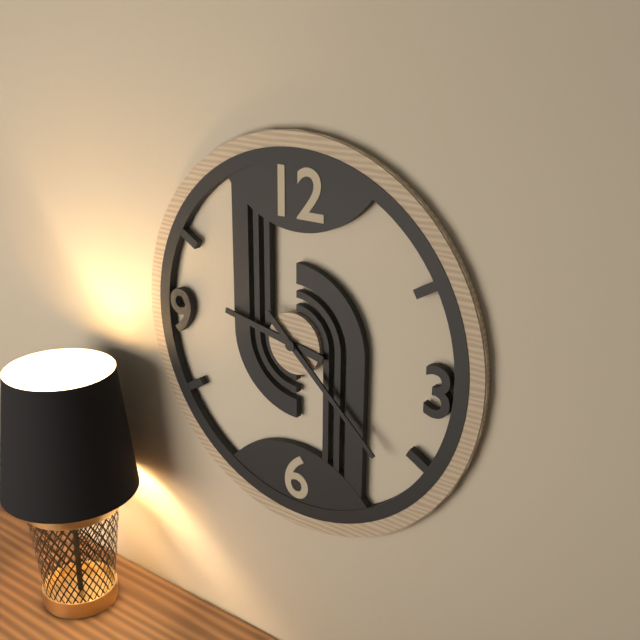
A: 9:22
